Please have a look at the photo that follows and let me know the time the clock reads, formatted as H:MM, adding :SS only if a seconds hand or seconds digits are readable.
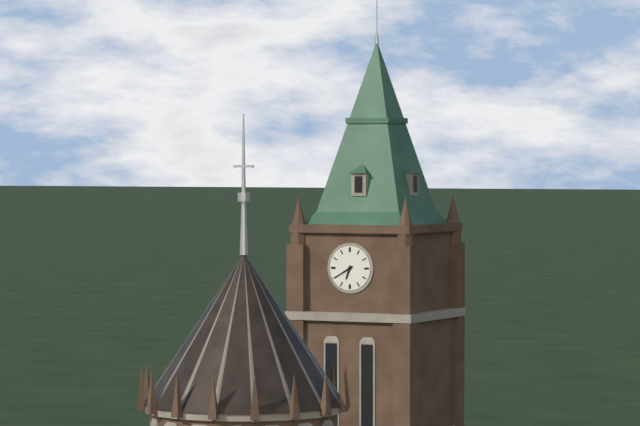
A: 6:40
